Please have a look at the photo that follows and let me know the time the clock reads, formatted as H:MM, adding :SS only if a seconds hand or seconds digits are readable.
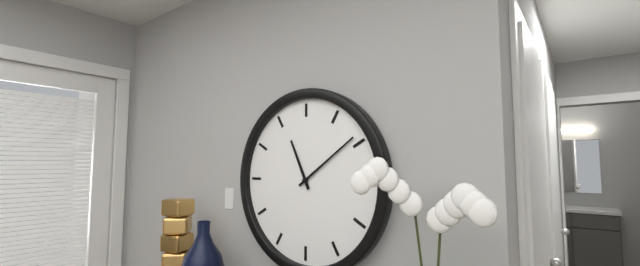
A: 11:09
